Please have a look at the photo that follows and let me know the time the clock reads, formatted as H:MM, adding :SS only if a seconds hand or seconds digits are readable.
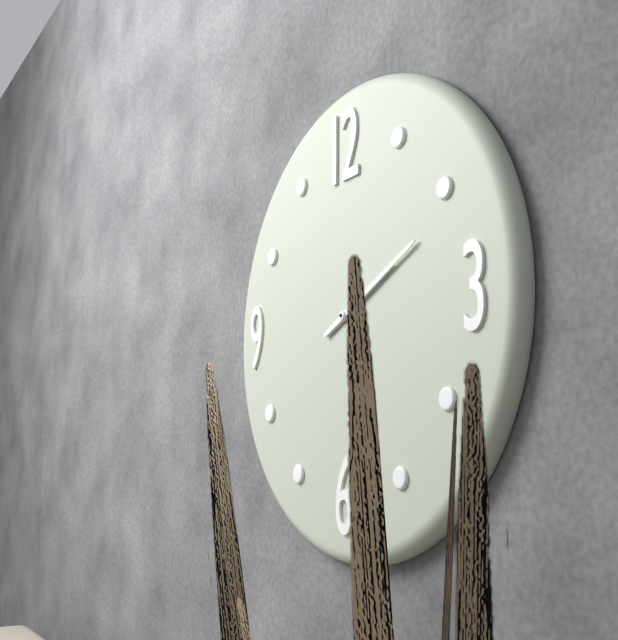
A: 2:11
